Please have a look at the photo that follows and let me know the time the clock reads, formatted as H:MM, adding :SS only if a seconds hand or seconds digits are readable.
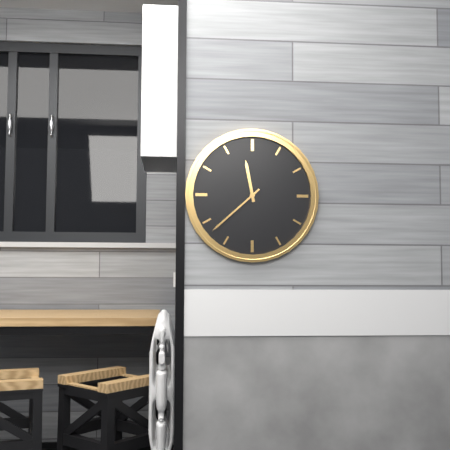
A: 11:38
